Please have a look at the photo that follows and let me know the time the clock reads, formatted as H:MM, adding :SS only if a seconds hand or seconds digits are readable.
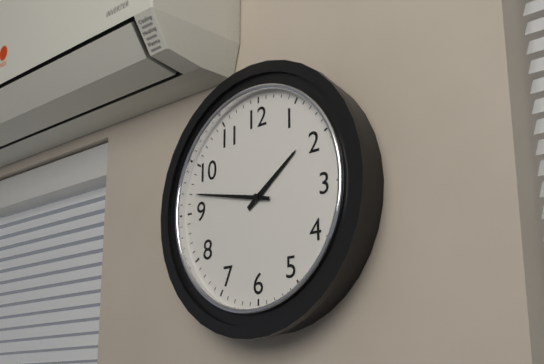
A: 1:47
